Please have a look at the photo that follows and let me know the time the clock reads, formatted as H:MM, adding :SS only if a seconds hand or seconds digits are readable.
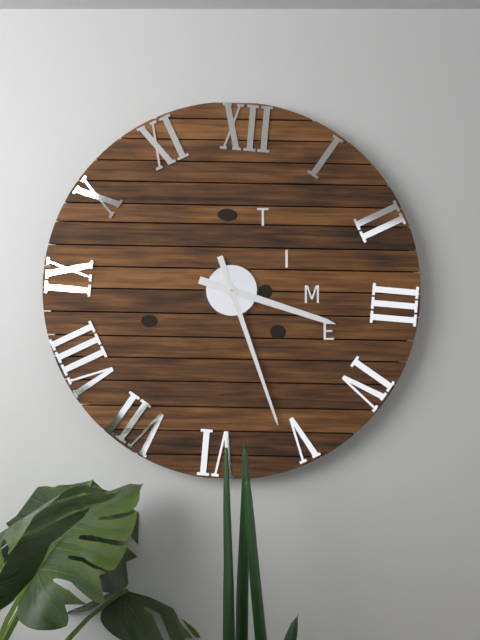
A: 3:26
